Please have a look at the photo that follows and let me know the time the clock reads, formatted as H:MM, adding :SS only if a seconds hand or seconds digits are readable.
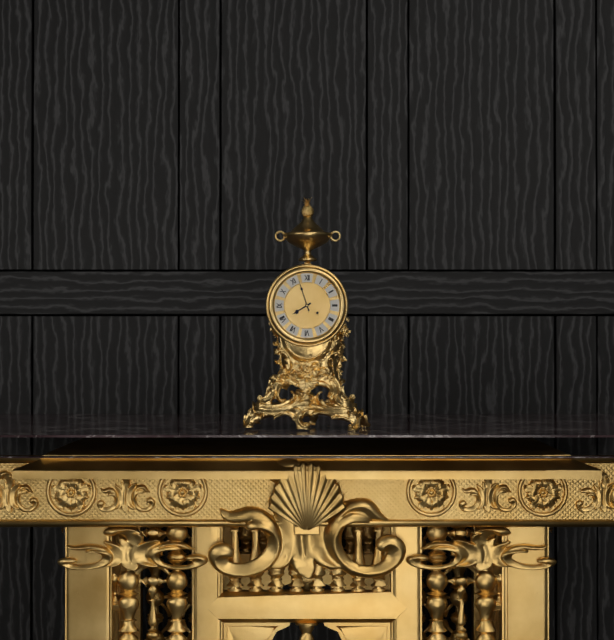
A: 7:57
